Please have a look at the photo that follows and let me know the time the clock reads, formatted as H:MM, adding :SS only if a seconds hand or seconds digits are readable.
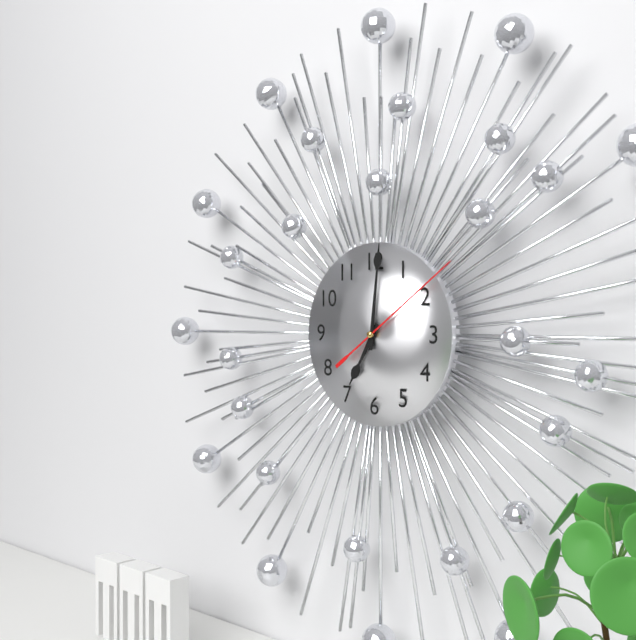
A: 7:01:09
